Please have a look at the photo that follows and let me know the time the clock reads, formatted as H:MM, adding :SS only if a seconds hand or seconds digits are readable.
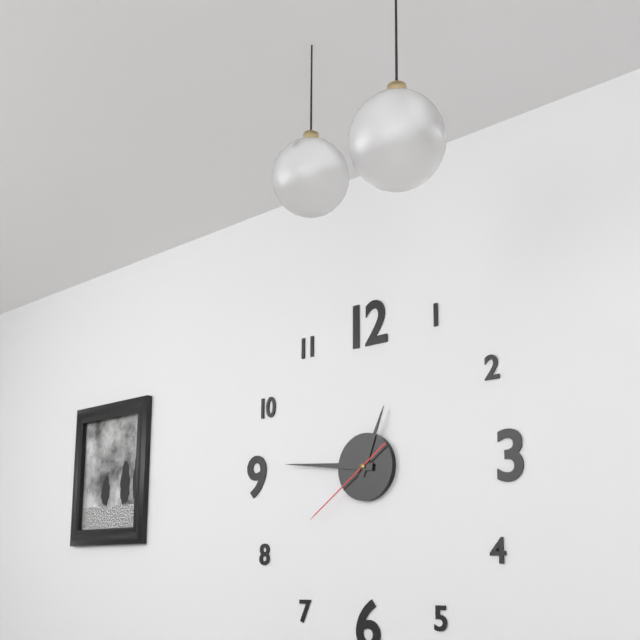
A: 12:46:39
